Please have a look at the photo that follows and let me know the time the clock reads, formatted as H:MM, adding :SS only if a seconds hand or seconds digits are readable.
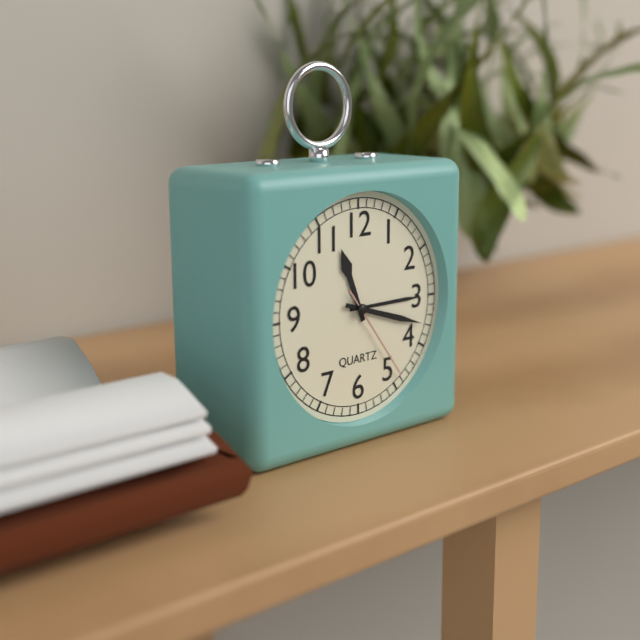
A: 11:18:24
